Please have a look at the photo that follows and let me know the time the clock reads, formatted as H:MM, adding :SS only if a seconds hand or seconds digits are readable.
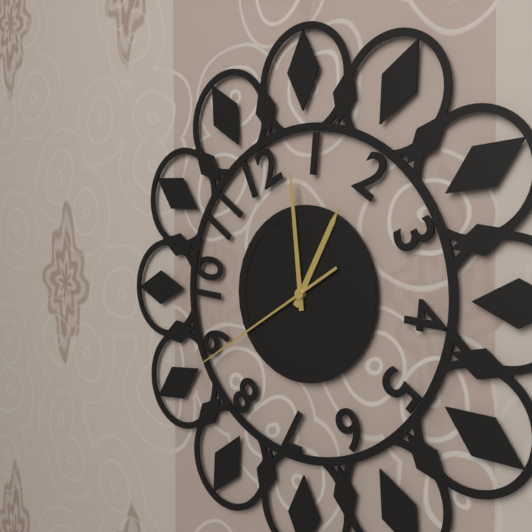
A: 12:59:40
